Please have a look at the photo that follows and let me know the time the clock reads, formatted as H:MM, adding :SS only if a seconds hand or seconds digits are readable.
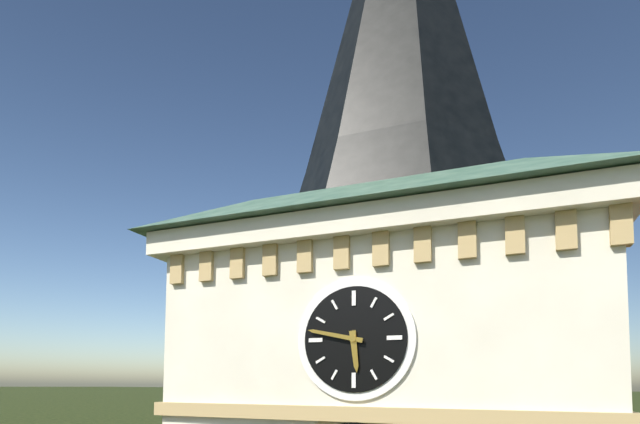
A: 5:47
